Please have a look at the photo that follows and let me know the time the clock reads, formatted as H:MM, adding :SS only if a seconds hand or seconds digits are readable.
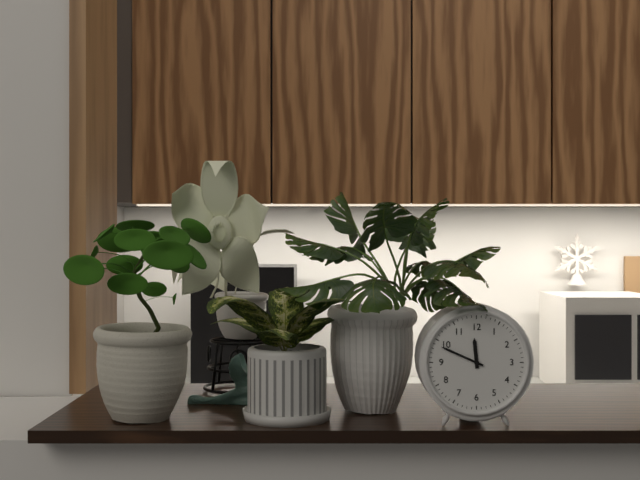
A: 11:49
